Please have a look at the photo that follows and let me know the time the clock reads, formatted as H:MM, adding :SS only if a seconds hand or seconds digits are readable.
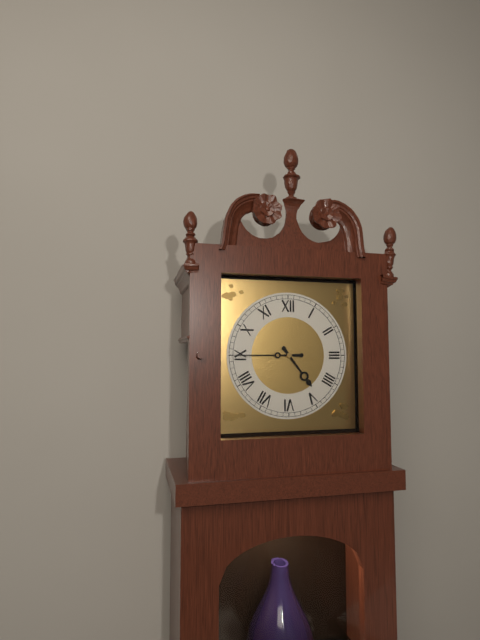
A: 4:45
